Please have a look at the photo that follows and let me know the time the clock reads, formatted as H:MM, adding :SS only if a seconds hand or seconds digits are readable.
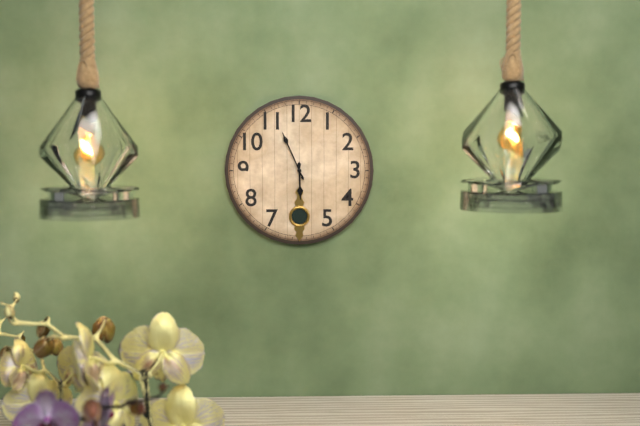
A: 5:56
